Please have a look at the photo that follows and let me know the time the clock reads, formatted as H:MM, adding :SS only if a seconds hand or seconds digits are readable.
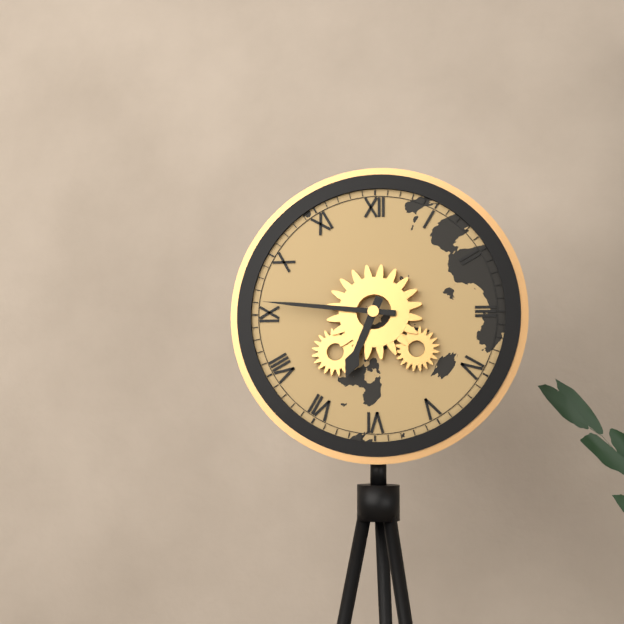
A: 6:46
